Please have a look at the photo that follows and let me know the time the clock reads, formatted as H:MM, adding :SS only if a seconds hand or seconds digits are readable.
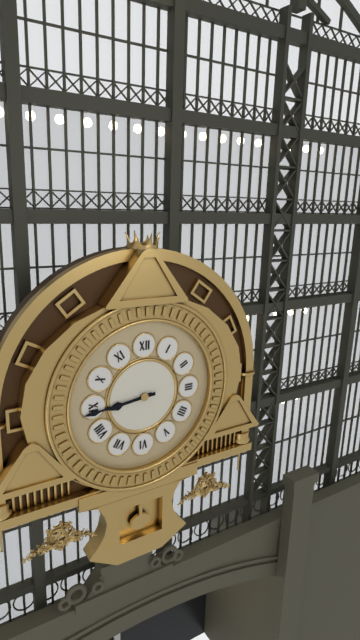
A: 8:44
